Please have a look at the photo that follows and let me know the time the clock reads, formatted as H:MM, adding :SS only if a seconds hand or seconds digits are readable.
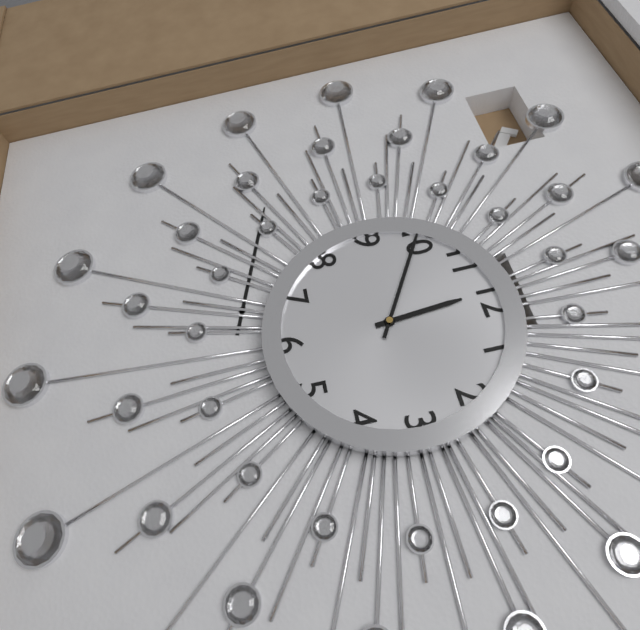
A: 11:50
